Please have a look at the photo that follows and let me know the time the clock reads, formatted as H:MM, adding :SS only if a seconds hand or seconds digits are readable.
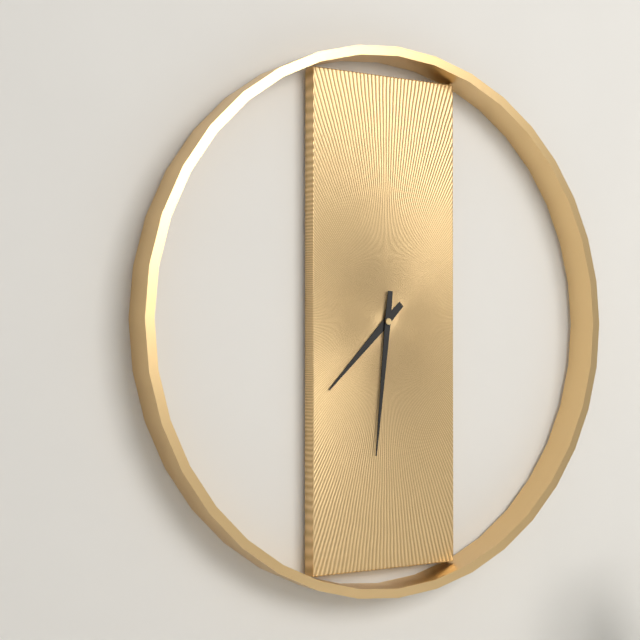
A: 7:31
